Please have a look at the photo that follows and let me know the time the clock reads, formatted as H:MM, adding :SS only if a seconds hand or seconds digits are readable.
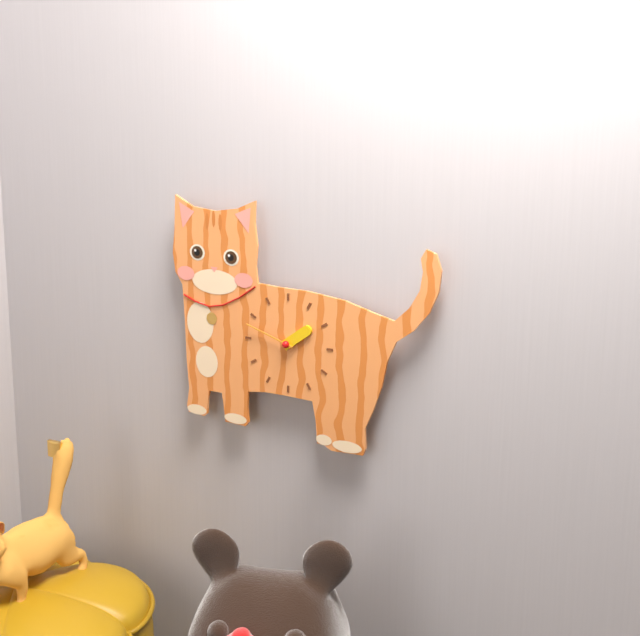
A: 1:48
